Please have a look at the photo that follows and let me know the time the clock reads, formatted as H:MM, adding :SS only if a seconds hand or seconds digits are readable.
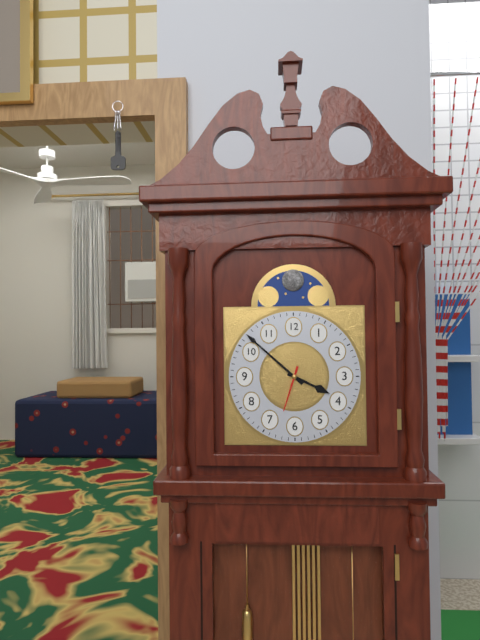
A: 3:52
